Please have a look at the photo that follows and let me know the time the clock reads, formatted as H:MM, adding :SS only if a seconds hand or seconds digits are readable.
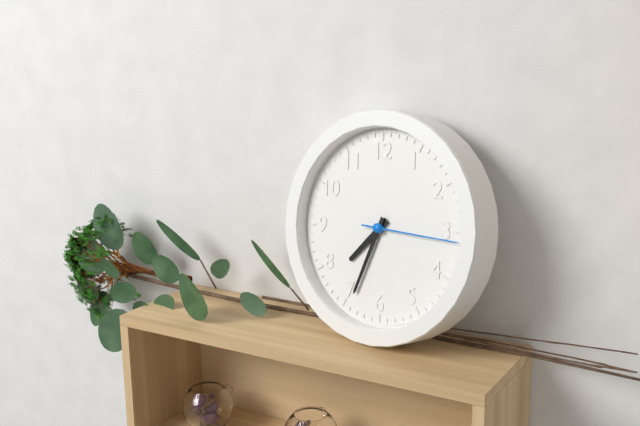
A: 7:34:16
